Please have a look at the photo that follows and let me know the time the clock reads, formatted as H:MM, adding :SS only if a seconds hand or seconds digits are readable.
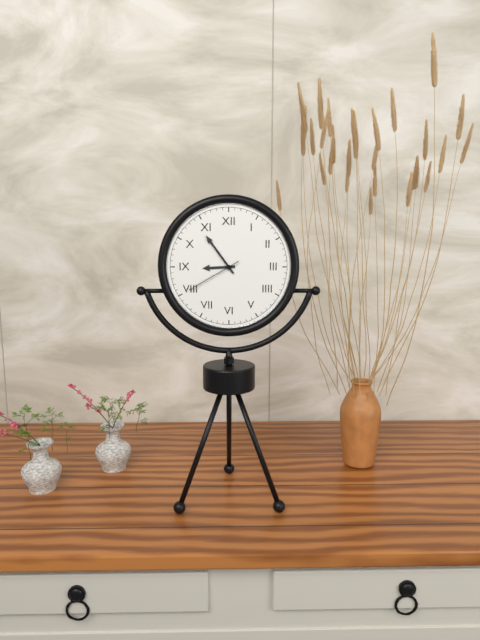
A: 8:54:40
